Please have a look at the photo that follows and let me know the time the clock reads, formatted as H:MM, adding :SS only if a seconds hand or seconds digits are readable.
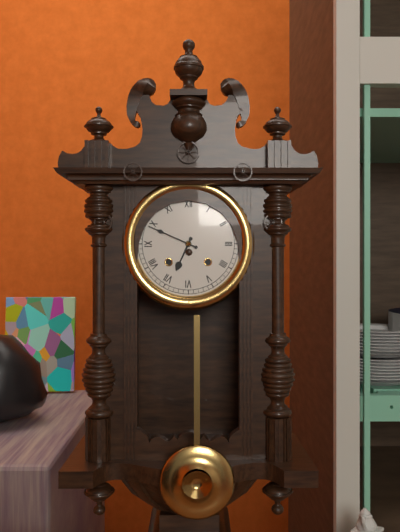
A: 6:49
